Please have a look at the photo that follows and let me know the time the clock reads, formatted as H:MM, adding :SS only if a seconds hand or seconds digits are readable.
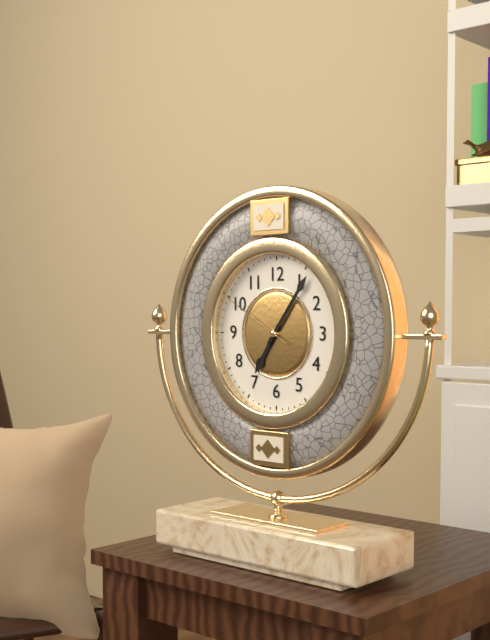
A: 7:06:50
